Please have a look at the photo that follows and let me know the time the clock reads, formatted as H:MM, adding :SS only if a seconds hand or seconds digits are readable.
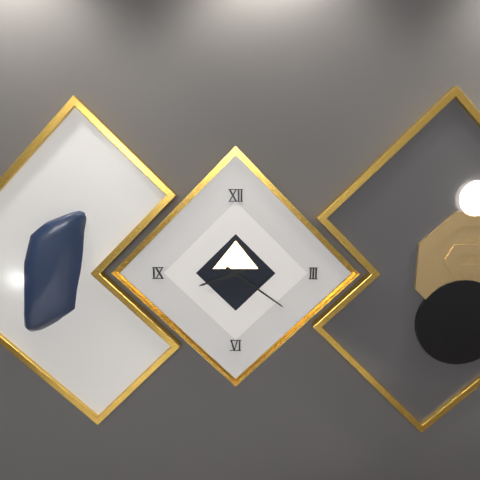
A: 8:21
